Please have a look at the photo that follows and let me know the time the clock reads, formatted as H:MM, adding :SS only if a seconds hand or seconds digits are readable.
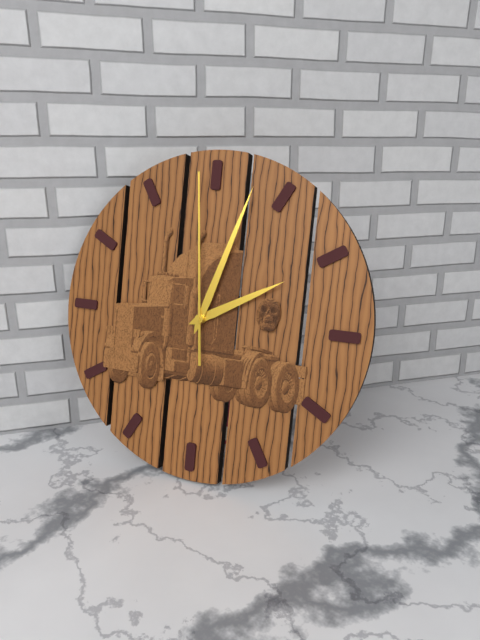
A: 2:03:59
